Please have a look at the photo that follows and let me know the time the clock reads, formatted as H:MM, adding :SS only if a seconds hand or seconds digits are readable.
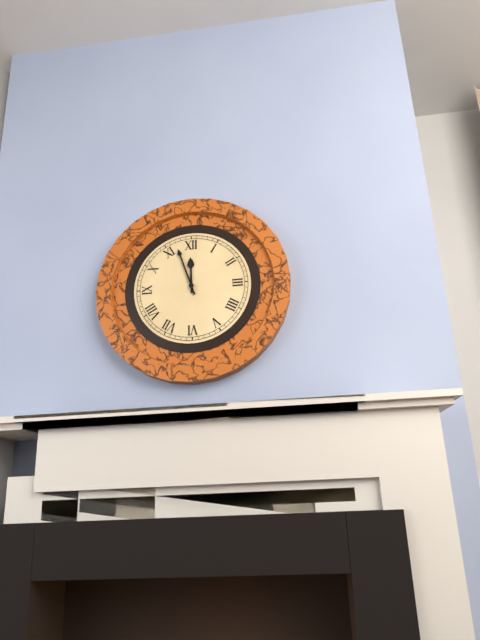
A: 11:57
